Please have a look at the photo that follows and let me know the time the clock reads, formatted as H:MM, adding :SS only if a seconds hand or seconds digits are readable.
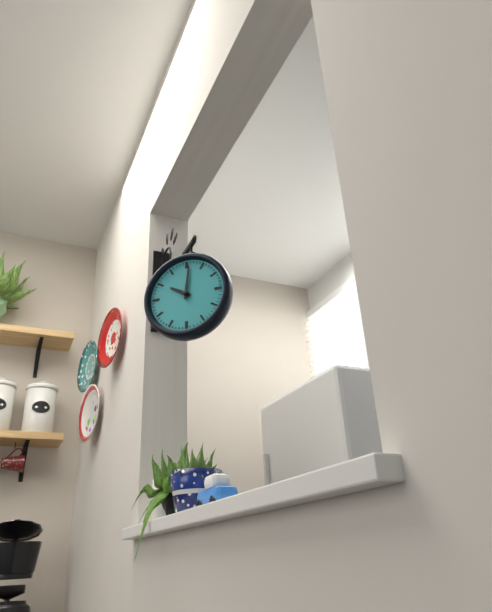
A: 10:01
